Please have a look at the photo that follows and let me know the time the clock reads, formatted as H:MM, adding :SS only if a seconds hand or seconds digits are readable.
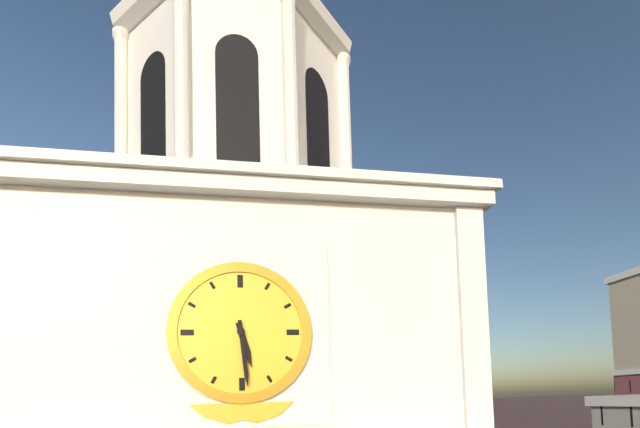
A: 5:29
